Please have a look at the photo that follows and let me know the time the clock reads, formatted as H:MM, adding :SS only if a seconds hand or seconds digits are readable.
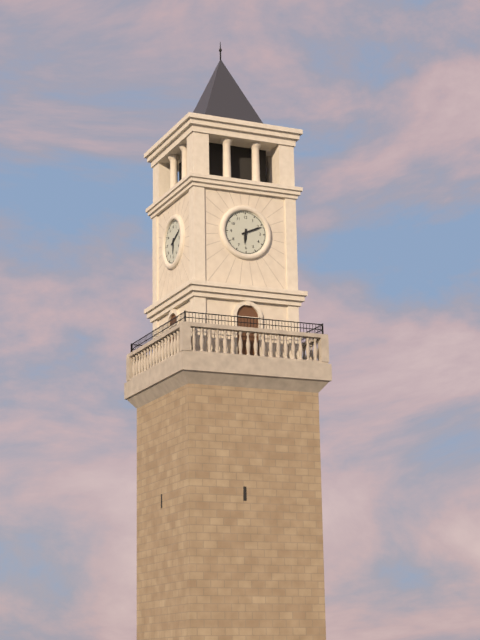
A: 6:11
